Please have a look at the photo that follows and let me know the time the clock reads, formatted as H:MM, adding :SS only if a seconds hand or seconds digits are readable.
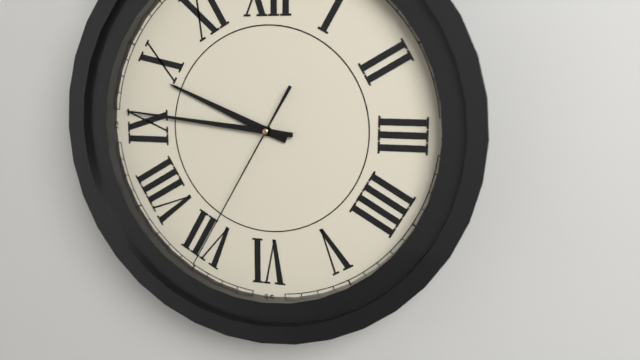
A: 9:46:35
